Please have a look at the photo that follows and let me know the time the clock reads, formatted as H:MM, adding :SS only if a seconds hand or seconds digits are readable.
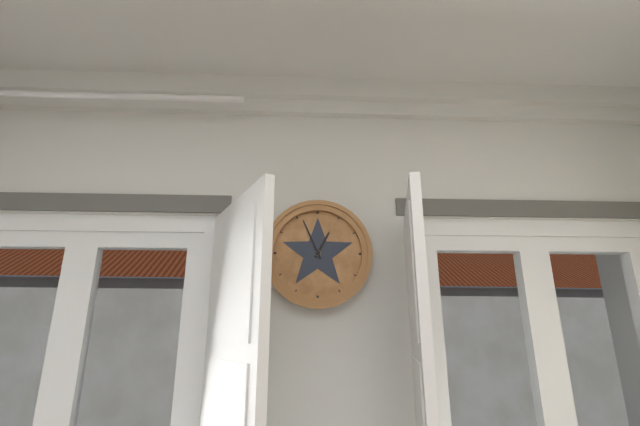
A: 12:56
